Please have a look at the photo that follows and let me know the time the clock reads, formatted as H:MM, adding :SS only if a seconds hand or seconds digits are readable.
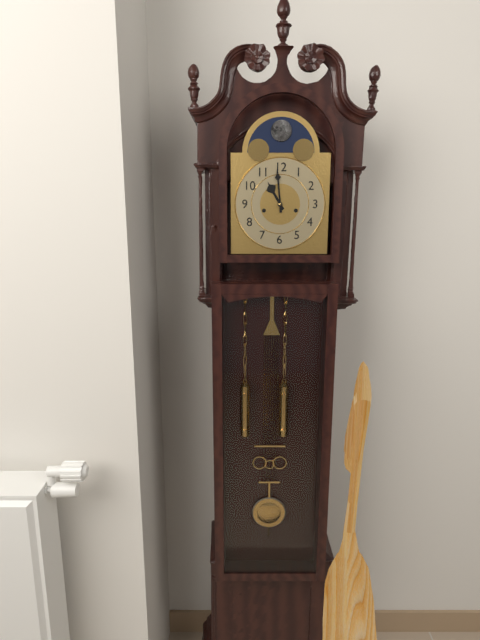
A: 10:59
